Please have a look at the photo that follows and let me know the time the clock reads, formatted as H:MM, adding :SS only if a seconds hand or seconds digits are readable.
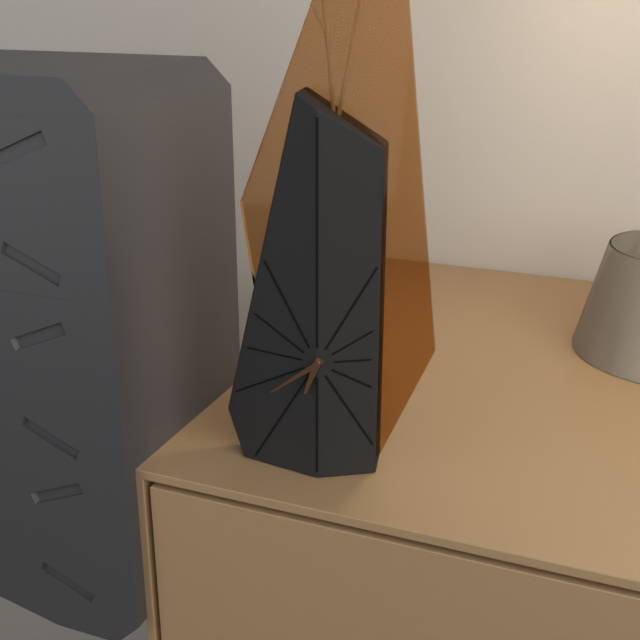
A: 6:39
